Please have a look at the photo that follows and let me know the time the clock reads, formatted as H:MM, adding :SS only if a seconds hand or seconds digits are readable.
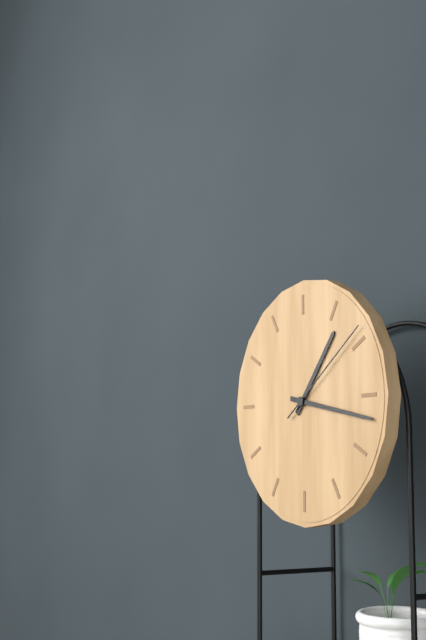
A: 1:17:09
